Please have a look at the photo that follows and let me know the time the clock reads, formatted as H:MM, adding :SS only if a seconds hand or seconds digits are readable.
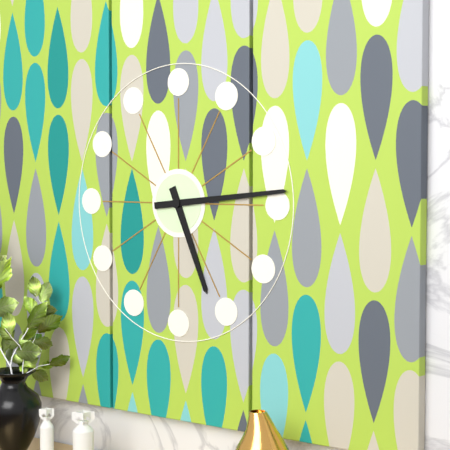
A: 5:14
